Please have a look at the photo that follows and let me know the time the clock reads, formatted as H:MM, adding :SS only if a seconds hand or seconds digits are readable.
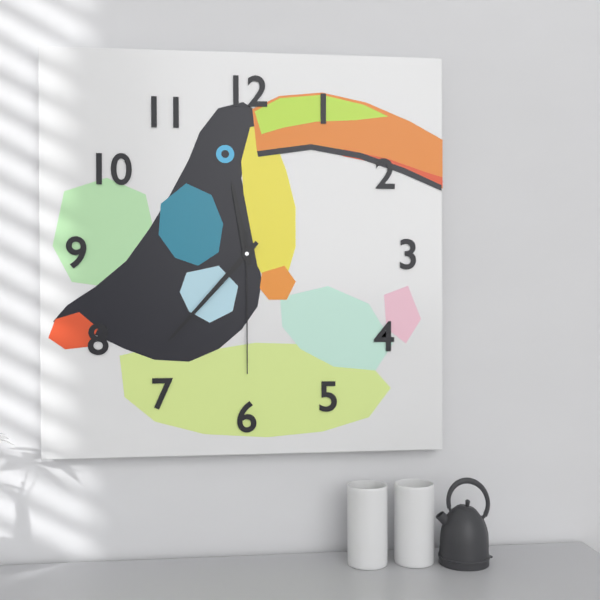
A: 11:37:30
